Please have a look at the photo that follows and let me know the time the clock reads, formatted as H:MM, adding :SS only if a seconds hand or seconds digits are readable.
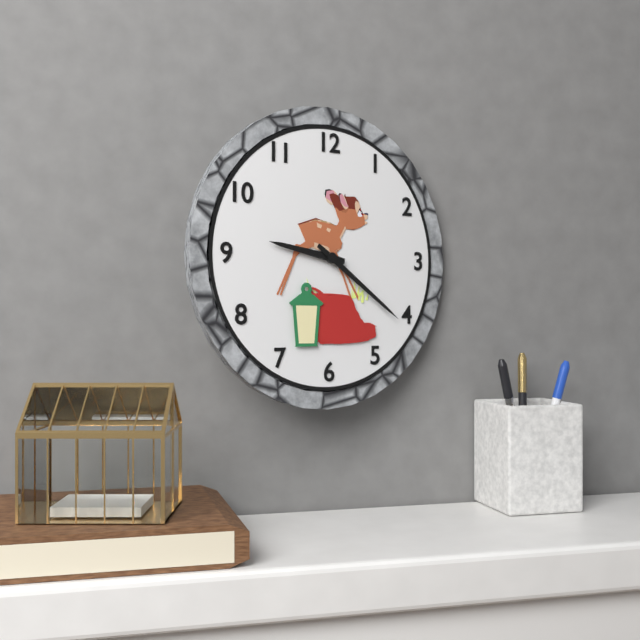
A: 9:21
